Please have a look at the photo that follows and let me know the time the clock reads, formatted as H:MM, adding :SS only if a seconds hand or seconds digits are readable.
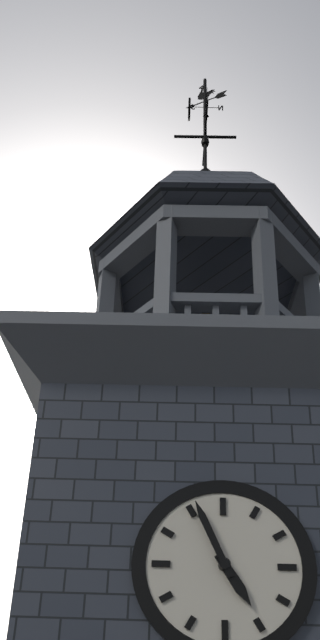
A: 4:56
